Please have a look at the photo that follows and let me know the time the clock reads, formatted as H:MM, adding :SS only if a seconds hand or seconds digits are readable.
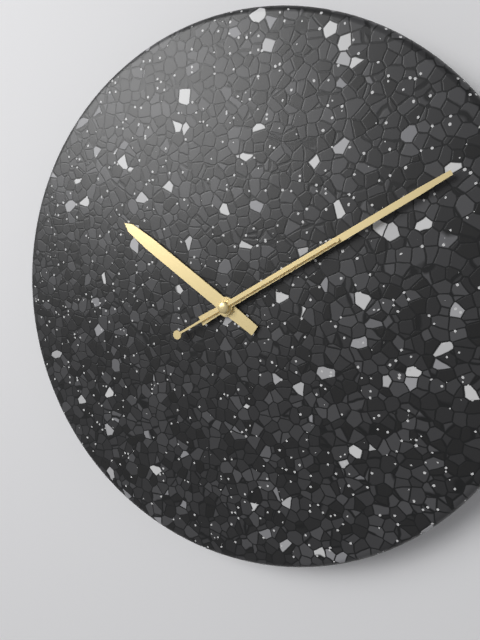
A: 10:10:10
